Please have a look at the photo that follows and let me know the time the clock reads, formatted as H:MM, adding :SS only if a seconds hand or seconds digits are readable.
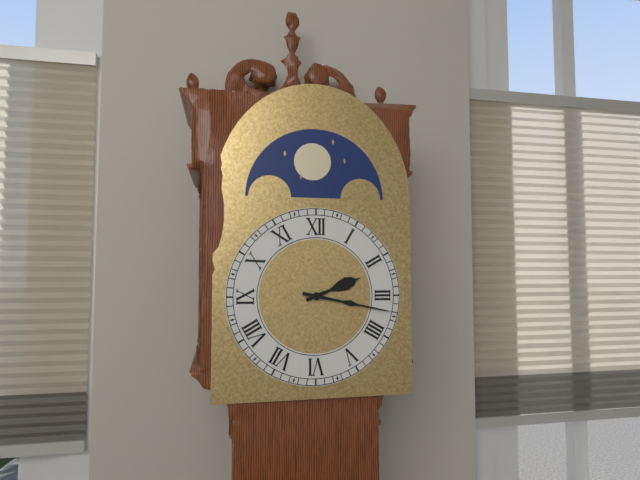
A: 2:17
